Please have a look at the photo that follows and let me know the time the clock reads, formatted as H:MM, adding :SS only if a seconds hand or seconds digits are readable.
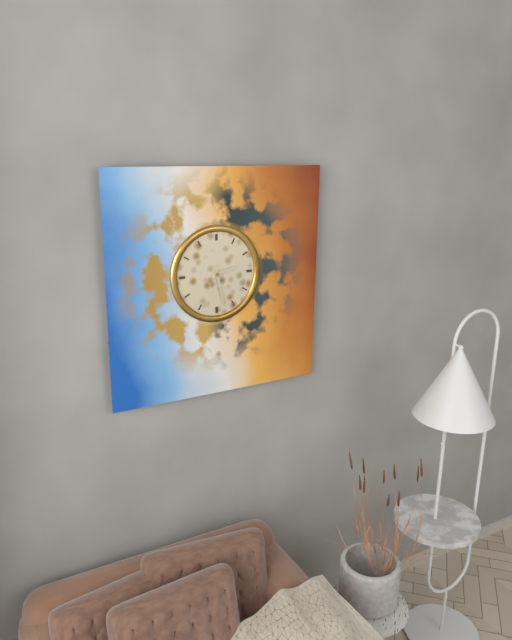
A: 2:28
